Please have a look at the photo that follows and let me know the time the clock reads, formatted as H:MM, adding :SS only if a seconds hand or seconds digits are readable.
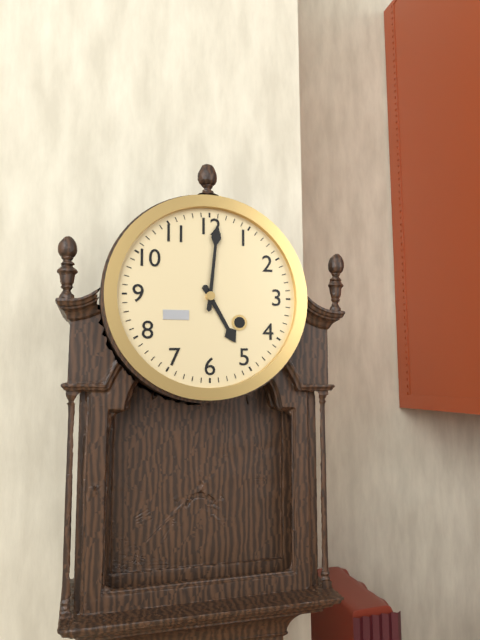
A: 5:01
